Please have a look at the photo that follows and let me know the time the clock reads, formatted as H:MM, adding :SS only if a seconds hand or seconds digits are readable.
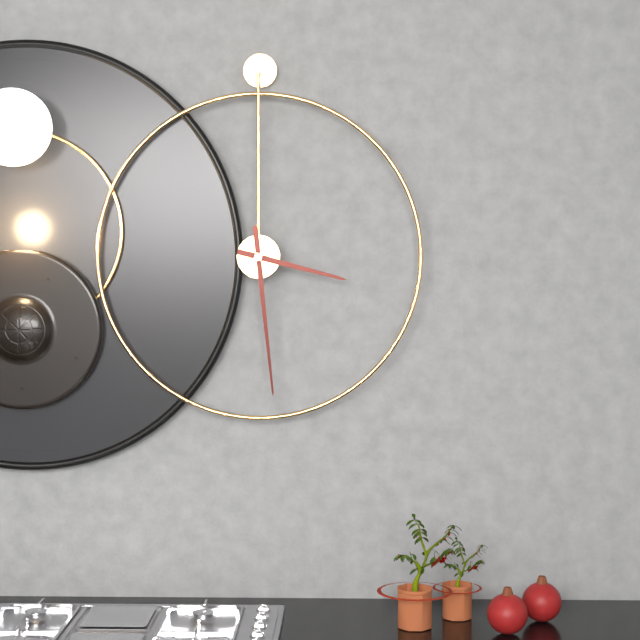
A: 3:29
